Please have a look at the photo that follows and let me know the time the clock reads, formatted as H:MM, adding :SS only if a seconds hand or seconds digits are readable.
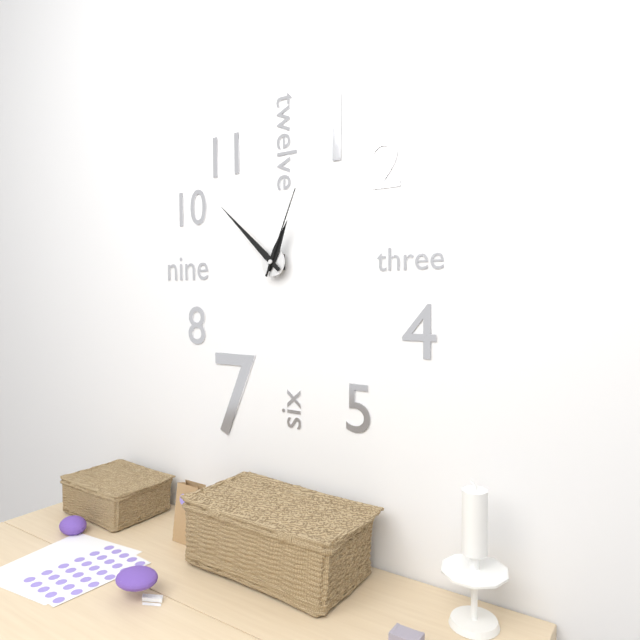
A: 12:52:04
